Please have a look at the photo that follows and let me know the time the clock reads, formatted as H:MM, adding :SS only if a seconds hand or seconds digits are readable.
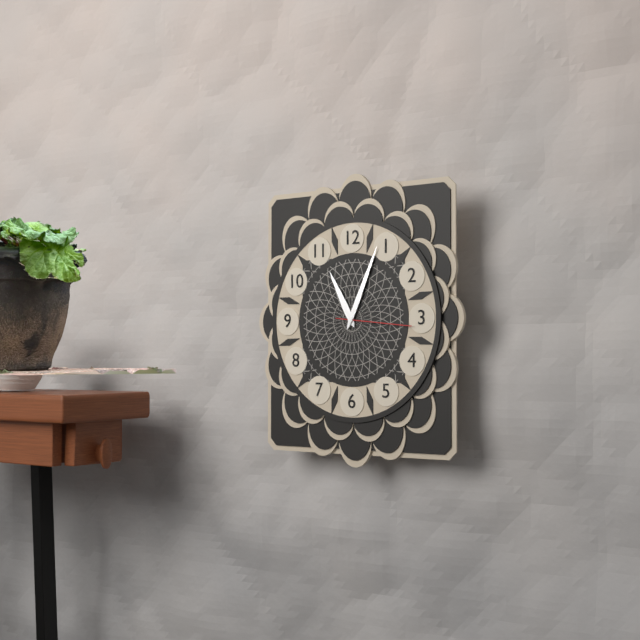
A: 11:04:16
